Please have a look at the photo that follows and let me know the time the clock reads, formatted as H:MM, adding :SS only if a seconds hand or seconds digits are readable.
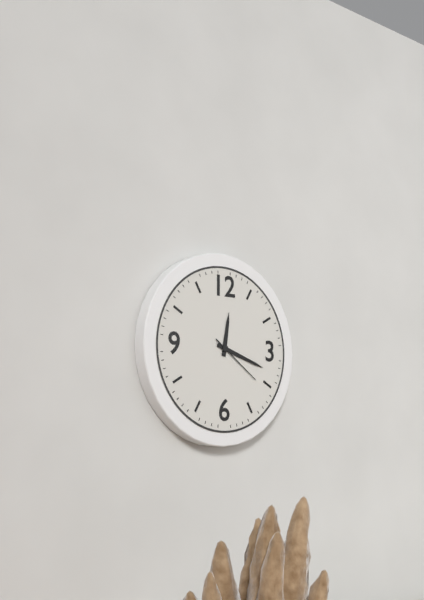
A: 12:18:21
